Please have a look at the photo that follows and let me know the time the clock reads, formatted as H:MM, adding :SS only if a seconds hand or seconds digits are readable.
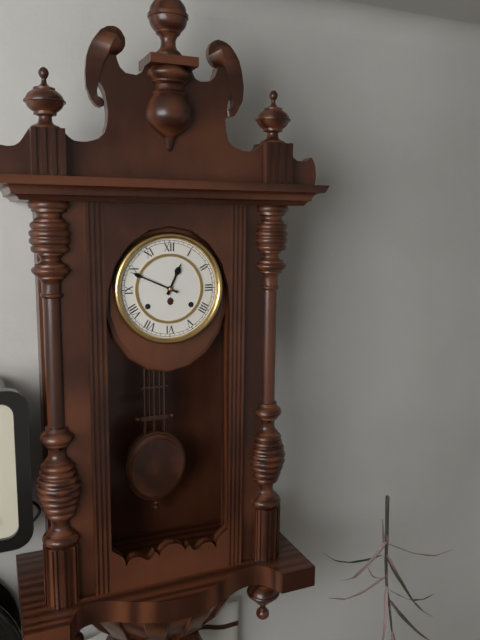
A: 12:49
